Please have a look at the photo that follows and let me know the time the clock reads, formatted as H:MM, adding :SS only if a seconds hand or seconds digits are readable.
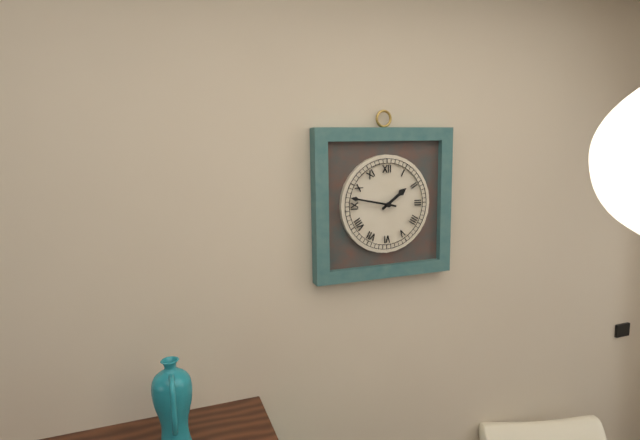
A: 1:47
